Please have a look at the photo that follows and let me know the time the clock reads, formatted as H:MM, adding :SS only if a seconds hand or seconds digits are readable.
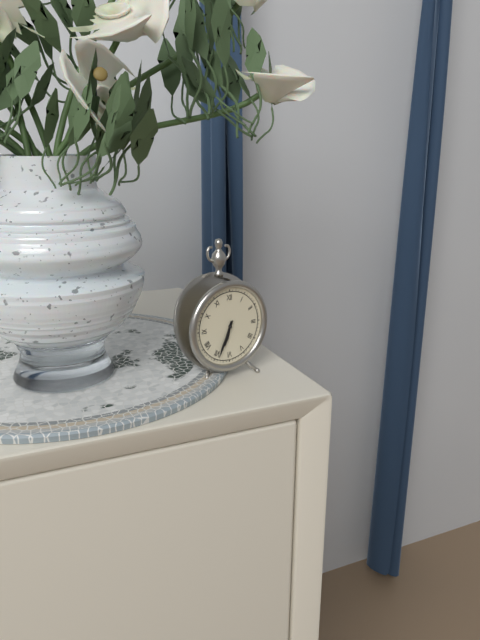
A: 6:34
